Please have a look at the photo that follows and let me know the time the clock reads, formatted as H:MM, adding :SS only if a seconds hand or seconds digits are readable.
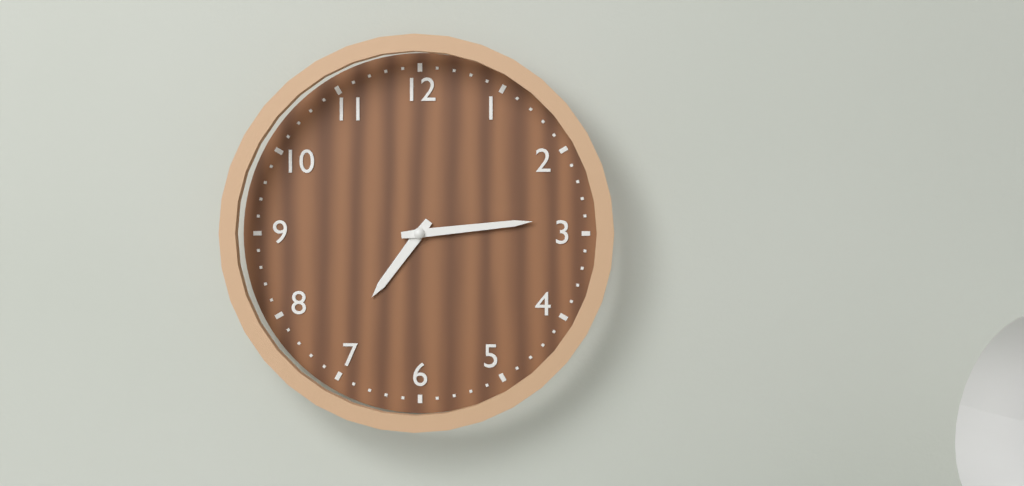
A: 7:14
